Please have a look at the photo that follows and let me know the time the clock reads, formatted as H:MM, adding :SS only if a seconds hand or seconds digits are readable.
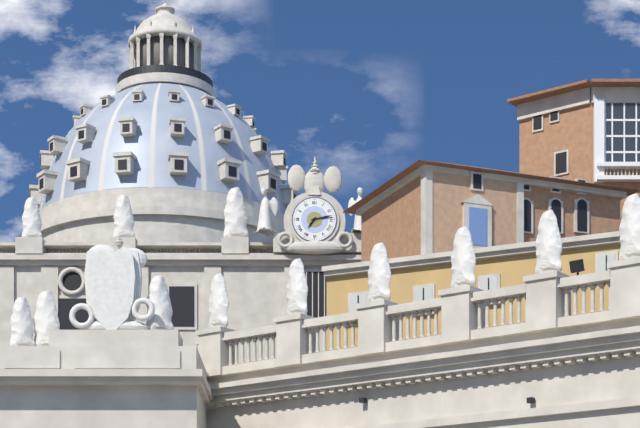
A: 7:13
